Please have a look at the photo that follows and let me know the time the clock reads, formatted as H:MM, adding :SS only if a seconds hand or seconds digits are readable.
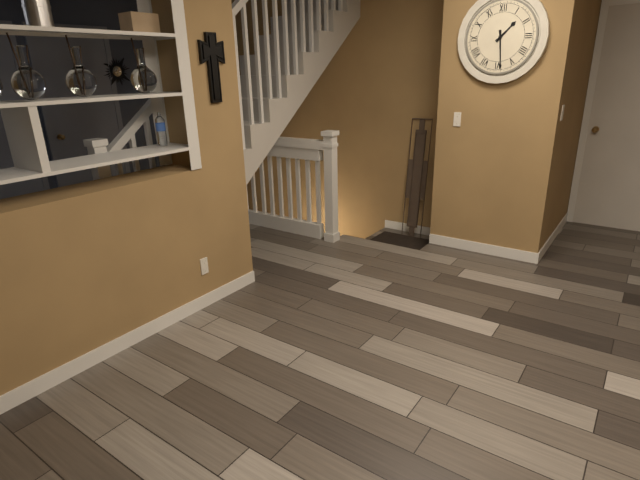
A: 1:29
